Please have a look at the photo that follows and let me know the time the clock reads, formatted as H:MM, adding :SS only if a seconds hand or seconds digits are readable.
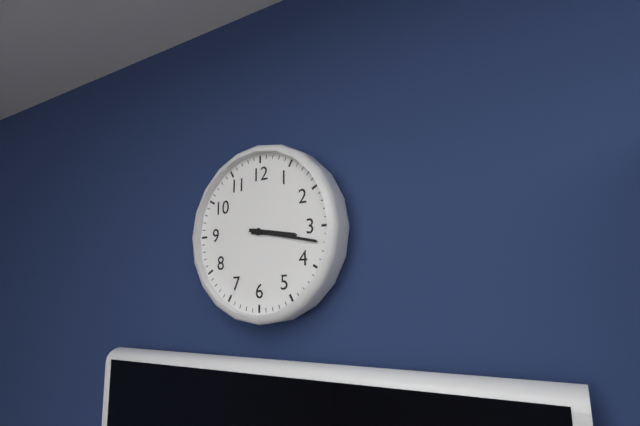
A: 3:17
